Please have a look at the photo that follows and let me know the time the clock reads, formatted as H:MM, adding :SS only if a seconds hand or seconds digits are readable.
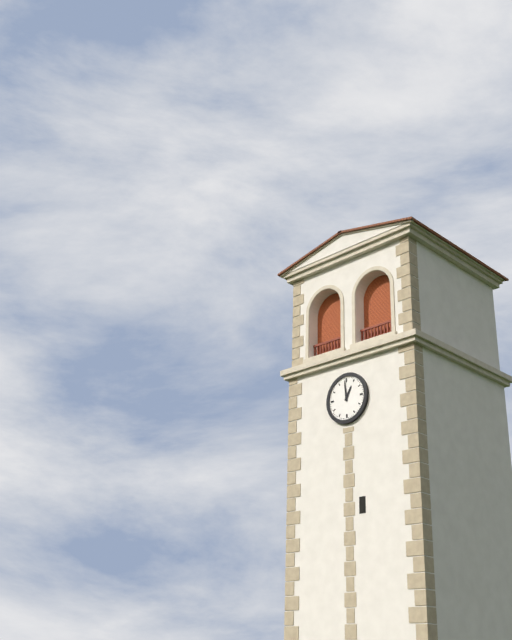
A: 12:59
